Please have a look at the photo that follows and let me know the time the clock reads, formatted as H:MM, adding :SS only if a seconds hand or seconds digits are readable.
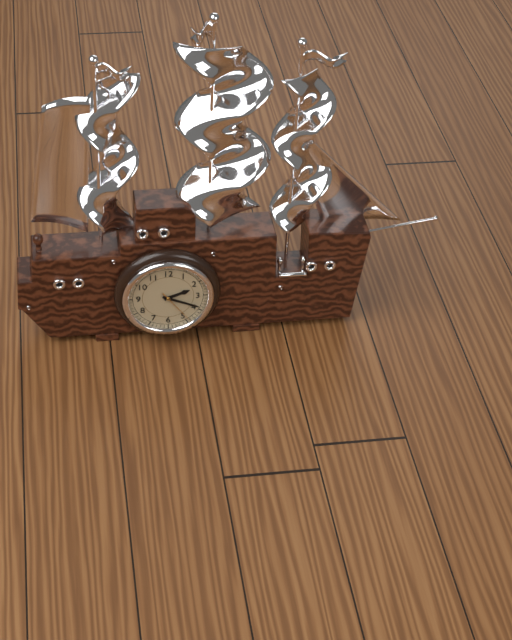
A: 2:19
